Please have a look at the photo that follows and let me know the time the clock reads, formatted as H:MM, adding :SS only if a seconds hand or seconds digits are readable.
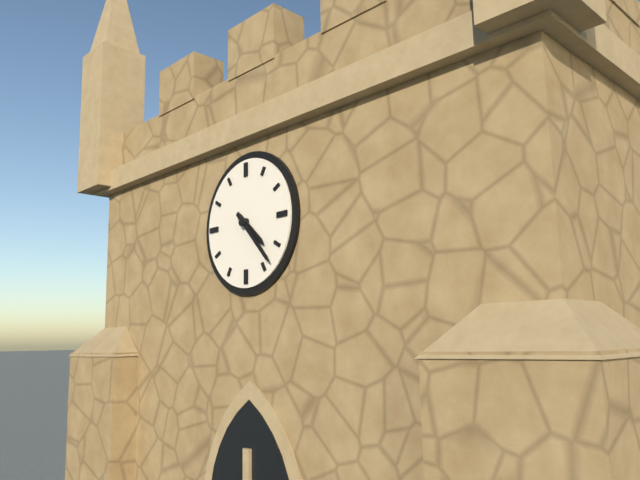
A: 4:23
